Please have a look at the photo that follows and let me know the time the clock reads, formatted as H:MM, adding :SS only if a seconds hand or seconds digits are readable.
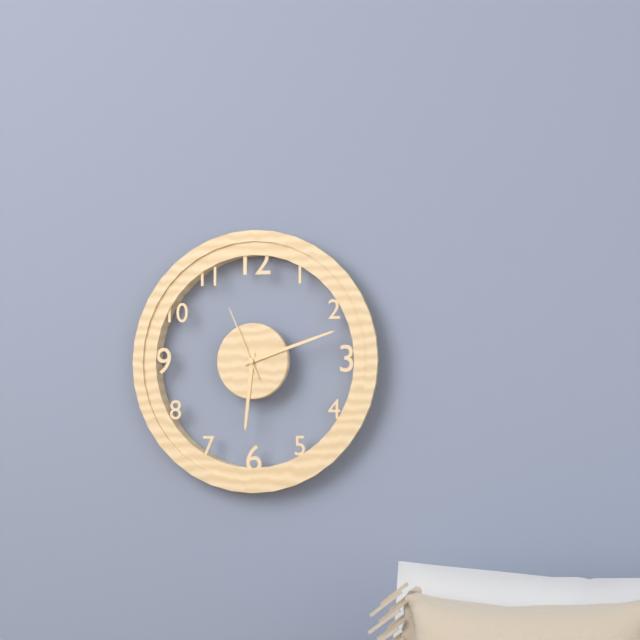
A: 6:12:56
